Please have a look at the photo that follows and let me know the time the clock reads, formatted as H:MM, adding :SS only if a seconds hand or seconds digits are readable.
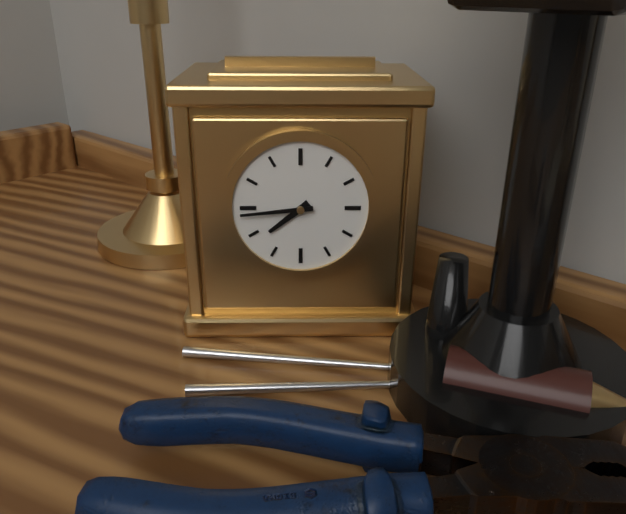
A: 7:44
